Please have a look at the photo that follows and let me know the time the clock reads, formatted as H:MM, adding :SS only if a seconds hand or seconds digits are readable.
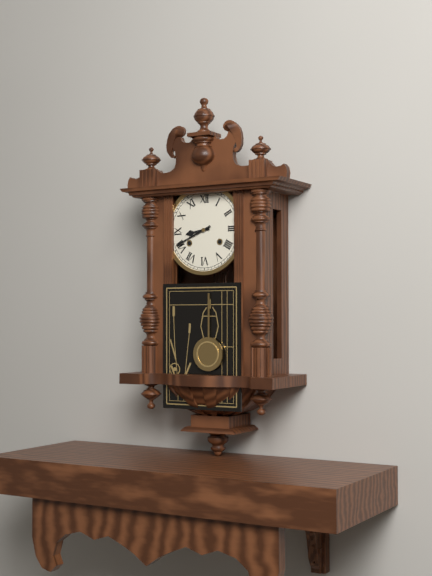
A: 8:41
